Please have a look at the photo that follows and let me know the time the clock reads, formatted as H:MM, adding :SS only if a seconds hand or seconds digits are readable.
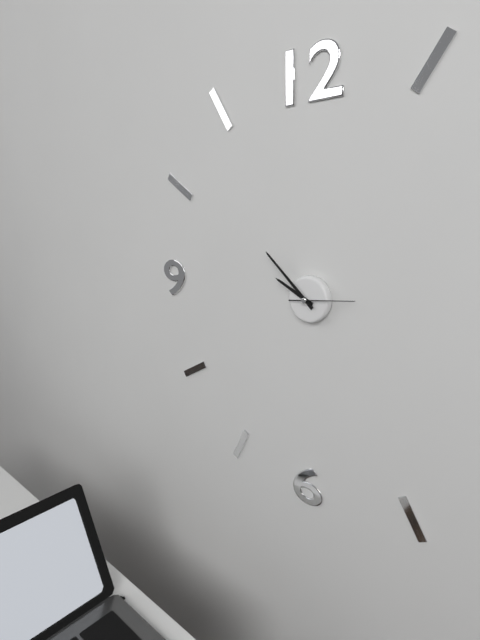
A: 9:52:14
